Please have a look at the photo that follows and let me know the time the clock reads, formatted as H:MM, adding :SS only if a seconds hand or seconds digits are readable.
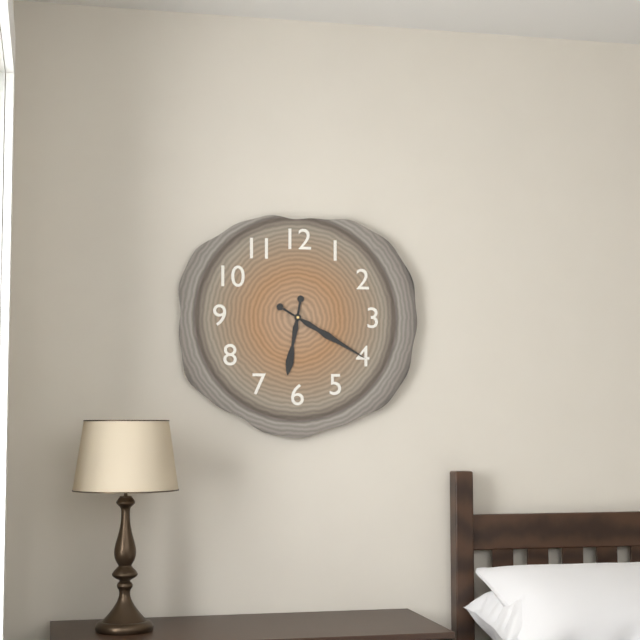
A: 6:20
